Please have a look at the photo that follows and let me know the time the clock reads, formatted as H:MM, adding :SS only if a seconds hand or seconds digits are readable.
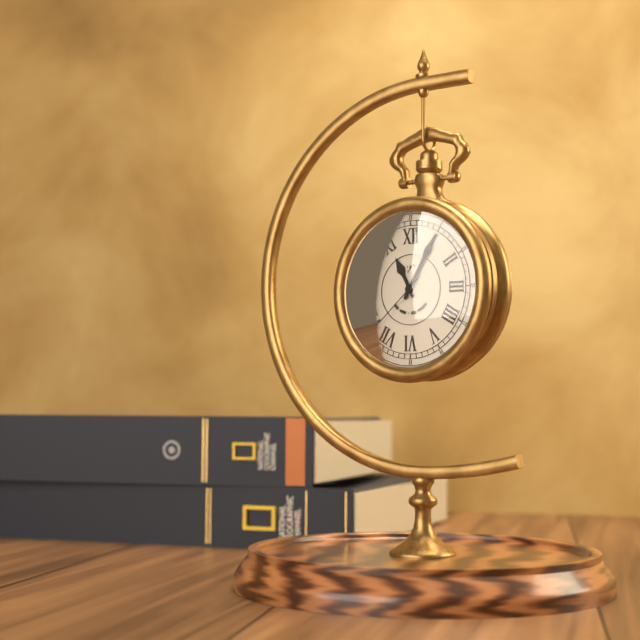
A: 11:05:38
